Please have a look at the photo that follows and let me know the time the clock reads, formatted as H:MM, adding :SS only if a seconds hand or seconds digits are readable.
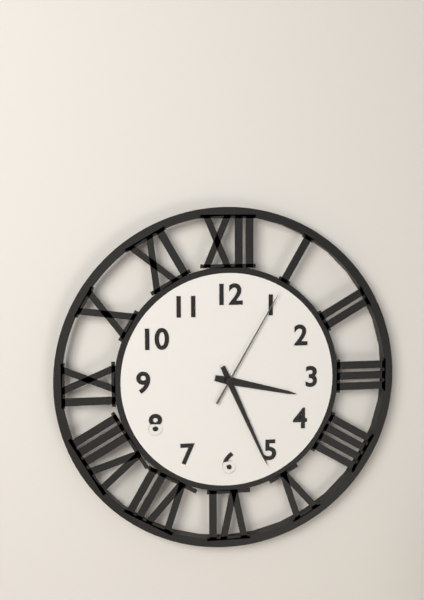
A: 3:26:05
